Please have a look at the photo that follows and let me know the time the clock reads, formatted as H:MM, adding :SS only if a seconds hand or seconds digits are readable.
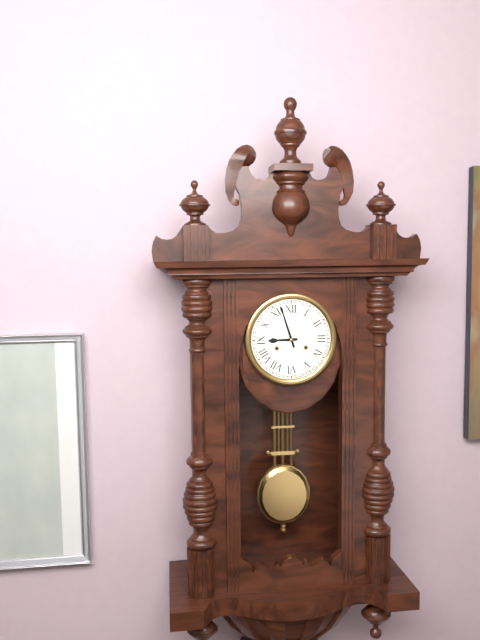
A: 8:57
